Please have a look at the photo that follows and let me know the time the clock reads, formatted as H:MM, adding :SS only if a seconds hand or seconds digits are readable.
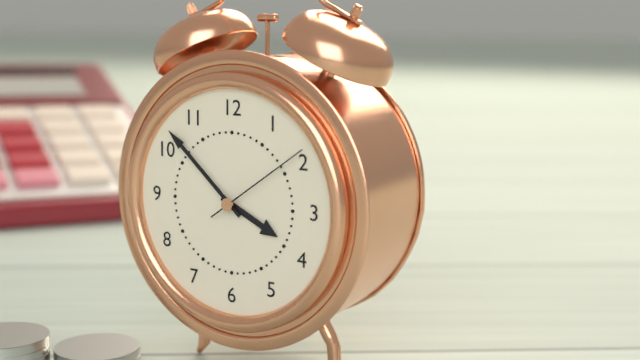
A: 3:52:09
